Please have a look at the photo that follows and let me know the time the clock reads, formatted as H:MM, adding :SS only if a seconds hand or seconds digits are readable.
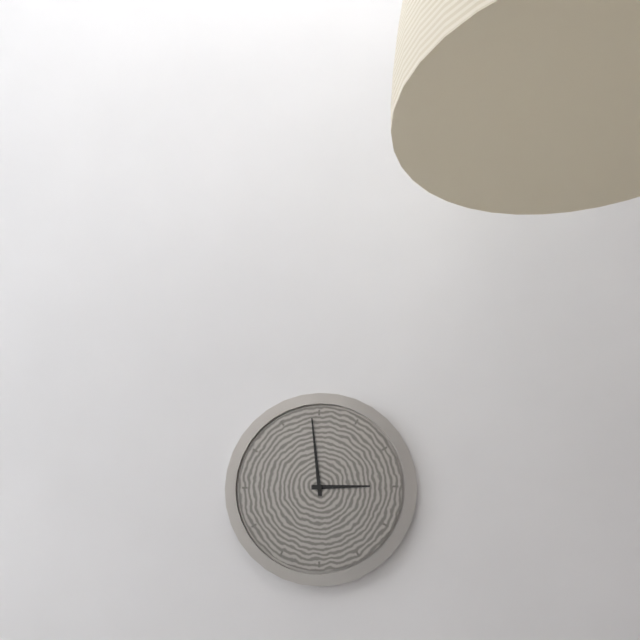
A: 2:59
